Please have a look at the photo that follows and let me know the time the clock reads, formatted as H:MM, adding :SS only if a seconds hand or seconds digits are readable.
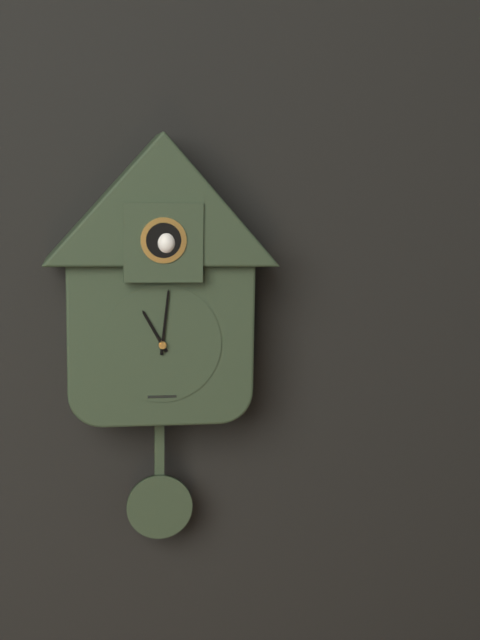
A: 11:01
